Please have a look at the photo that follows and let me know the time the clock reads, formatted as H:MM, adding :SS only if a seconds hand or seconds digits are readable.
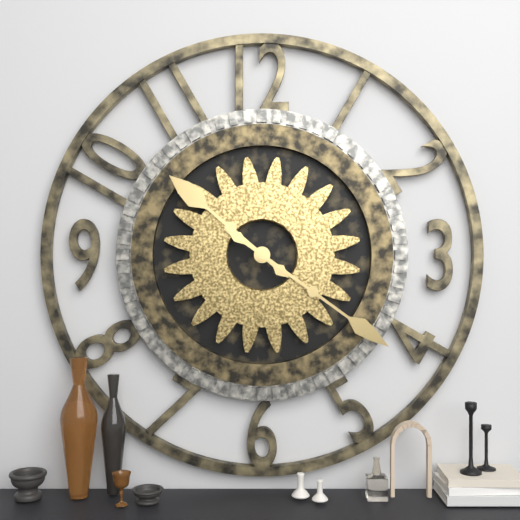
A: 10:21
